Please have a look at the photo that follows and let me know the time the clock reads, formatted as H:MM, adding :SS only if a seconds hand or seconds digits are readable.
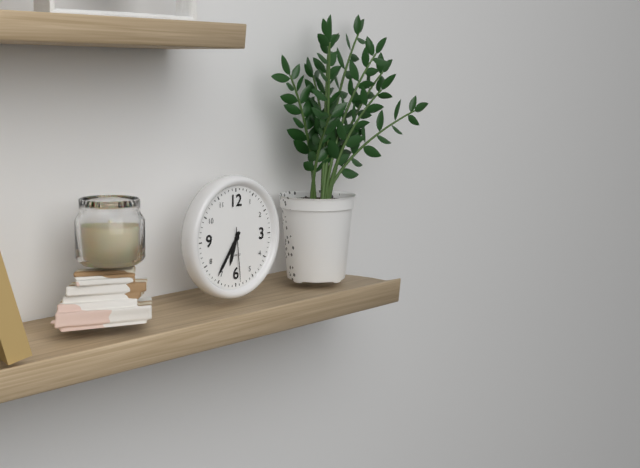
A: 6:36:29
